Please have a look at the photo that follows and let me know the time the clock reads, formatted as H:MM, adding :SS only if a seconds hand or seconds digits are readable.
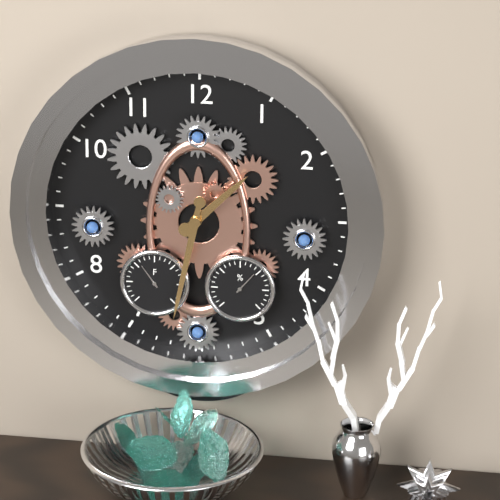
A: 1:32
